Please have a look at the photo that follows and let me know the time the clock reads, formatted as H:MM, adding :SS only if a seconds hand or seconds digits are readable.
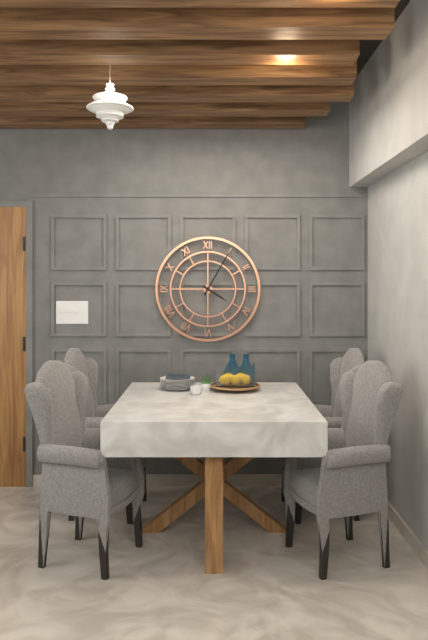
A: 4:05
